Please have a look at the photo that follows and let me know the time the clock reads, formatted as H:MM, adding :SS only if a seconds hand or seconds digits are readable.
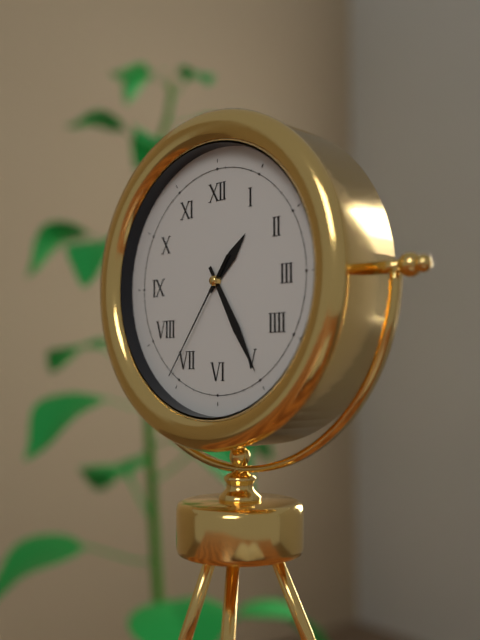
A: 1:25:36
